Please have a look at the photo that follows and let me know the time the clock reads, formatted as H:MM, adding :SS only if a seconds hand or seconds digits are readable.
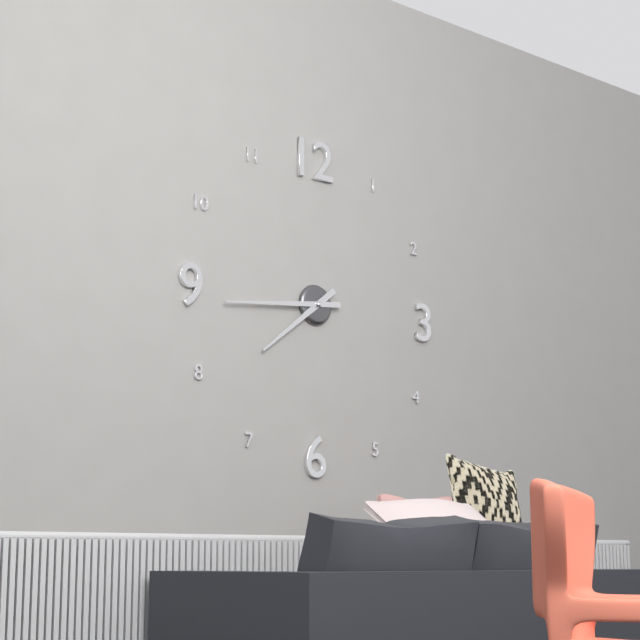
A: 7:44
